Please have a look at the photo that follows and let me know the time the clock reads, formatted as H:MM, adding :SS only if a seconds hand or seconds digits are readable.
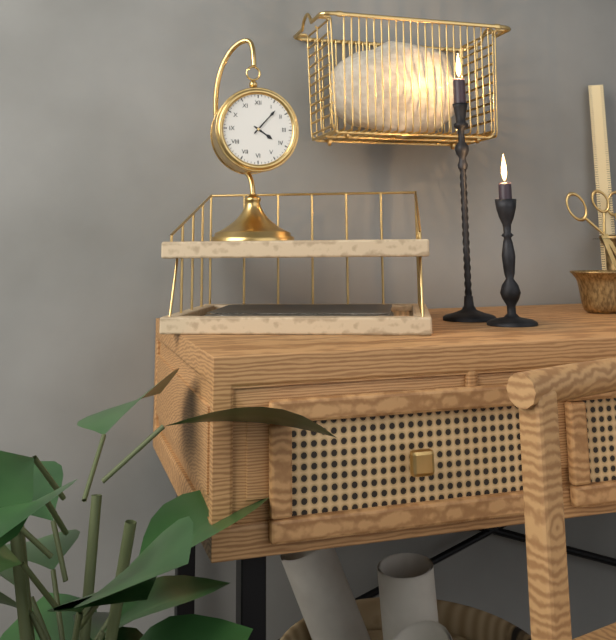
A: 4:07
